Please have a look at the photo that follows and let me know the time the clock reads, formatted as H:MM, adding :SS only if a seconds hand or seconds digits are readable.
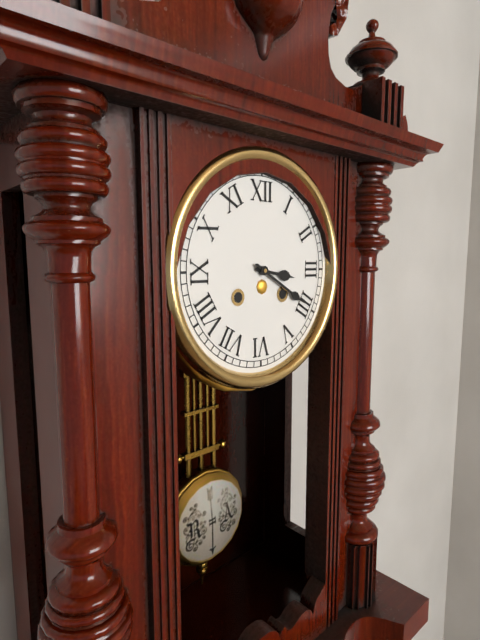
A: 3:20
